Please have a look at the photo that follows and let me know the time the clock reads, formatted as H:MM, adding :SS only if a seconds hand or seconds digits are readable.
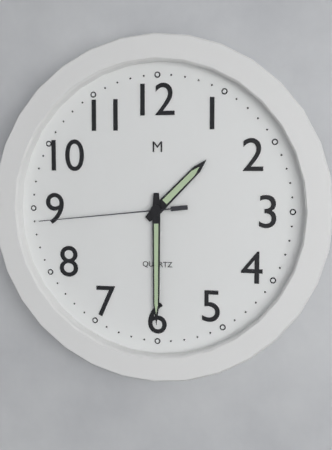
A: 1:30:44
